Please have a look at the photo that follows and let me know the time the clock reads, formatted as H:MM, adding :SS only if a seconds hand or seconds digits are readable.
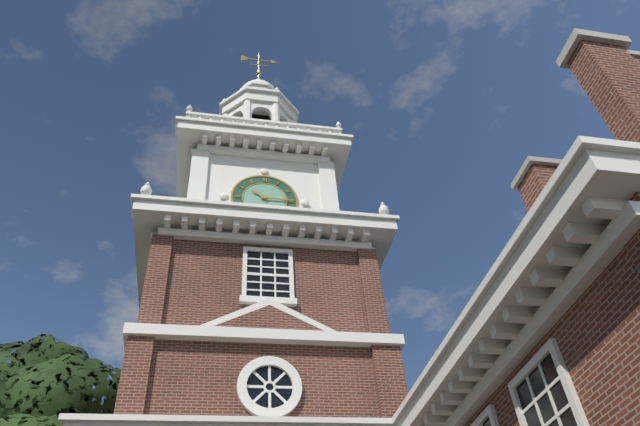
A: 10:15
